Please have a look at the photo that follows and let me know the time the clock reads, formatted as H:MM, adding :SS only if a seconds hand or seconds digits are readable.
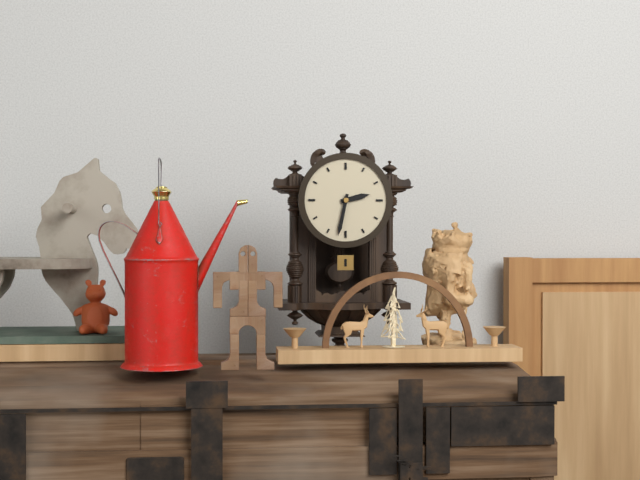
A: 2:32
